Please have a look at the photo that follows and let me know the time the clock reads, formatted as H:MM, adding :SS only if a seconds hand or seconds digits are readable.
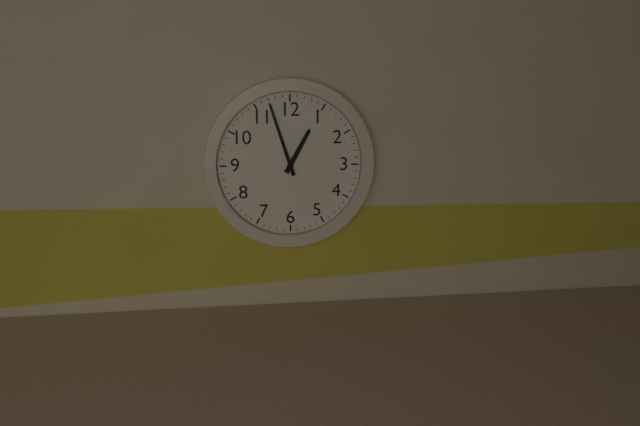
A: 12:57
